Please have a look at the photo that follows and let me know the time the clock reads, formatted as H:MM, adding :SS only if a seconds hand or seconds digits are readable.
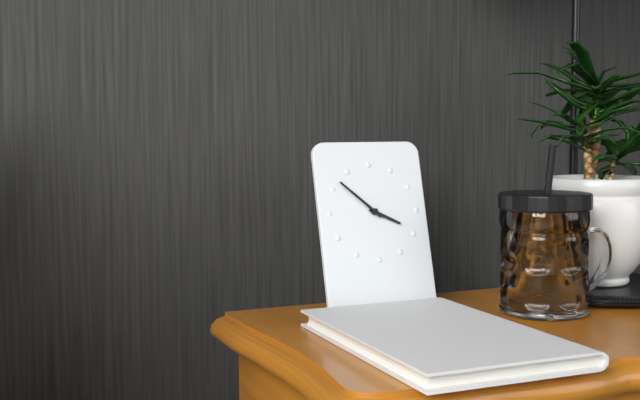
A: 3:52
